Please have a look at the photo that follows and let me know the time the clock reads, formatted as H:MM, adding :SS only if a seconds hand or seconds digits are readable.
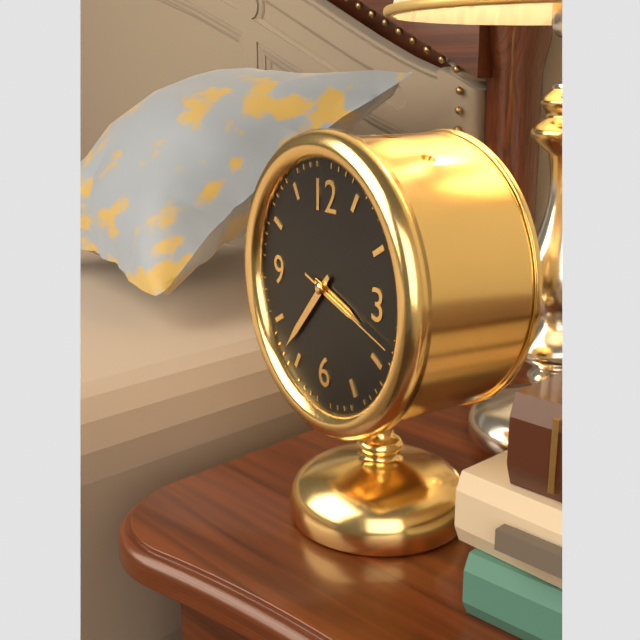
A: 3:37:18
